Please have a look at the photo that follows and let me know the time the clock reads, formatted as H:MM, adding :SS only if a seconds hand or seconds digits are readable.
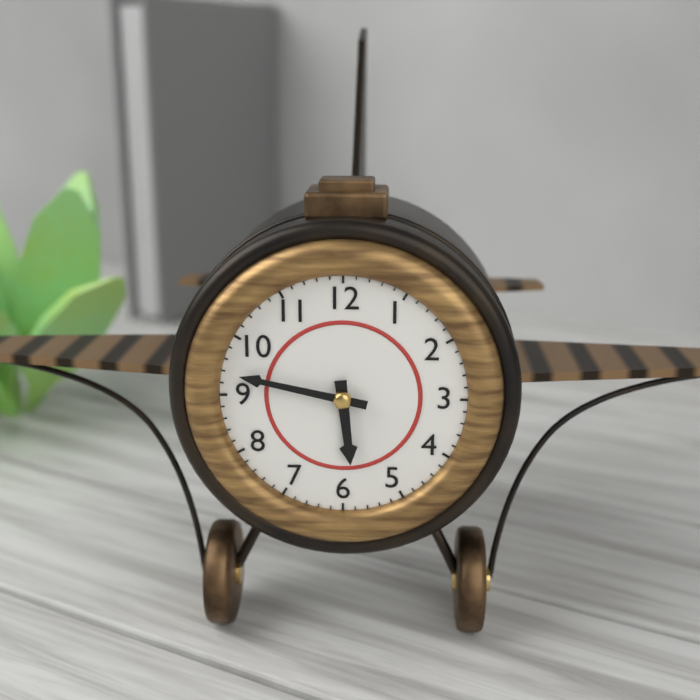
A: 5:47
